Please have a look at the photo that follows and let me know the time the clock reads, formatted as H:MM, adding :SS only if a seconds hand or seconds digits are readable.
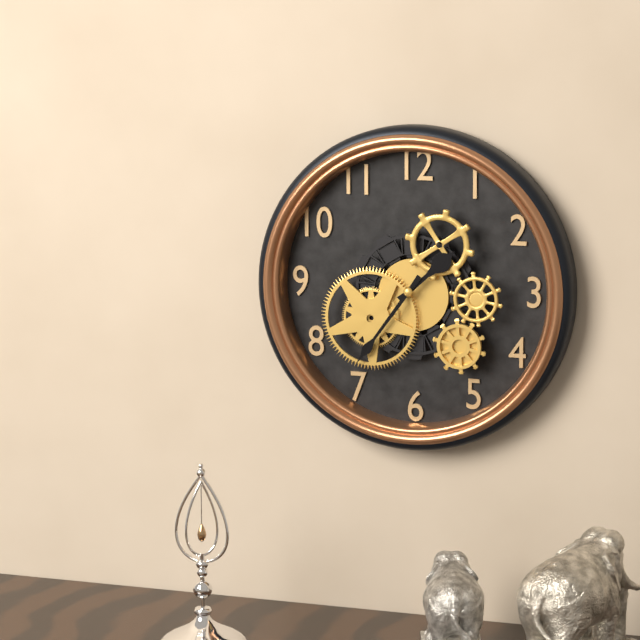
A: 1:36
